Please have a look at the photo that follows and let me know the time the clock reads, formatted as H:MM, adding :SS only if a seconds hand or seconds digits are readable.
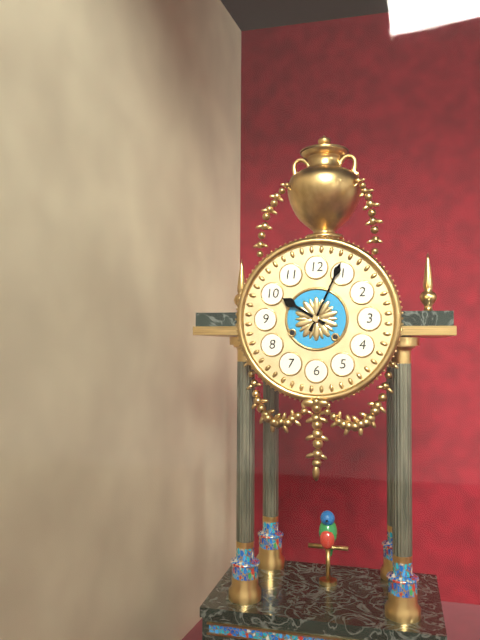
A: 10:04
